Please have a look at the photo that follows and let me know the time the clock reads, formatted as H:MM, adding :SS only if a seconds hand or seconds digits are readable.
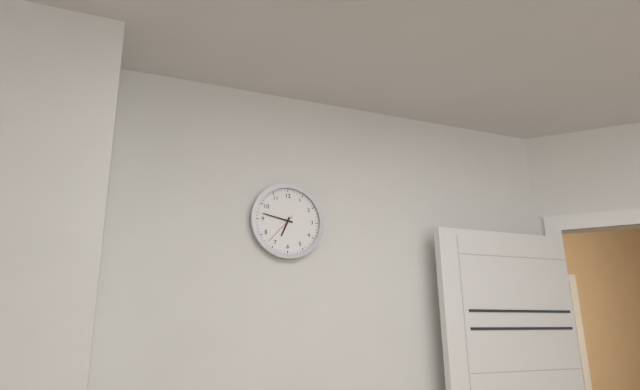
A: 6:47
